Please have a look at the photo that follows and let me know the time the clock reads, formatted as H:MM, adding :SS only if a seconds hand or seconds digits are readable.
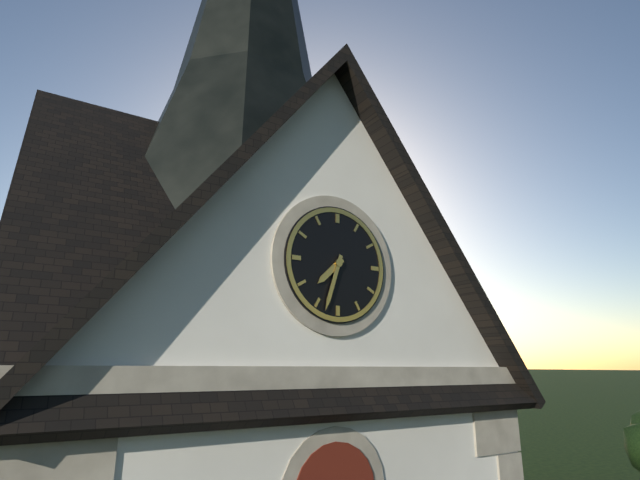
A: 7:33
